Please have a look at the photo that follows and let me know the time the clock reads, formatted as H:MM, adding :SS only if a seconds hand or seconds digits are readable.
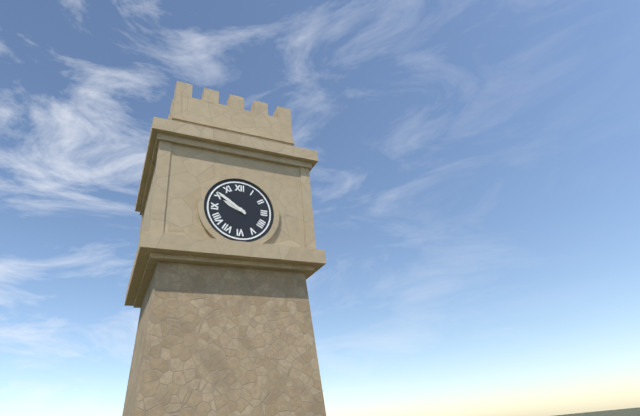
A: 9:51
